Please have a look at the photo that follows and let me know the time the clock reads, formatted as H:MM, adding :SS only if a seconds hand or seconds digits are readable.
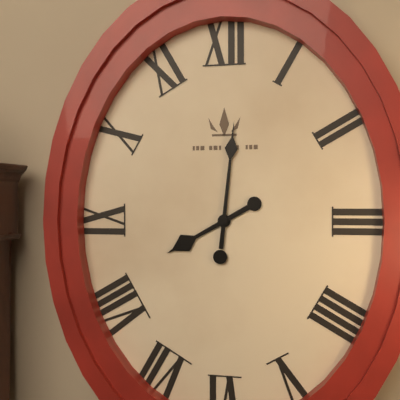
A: 8:01
